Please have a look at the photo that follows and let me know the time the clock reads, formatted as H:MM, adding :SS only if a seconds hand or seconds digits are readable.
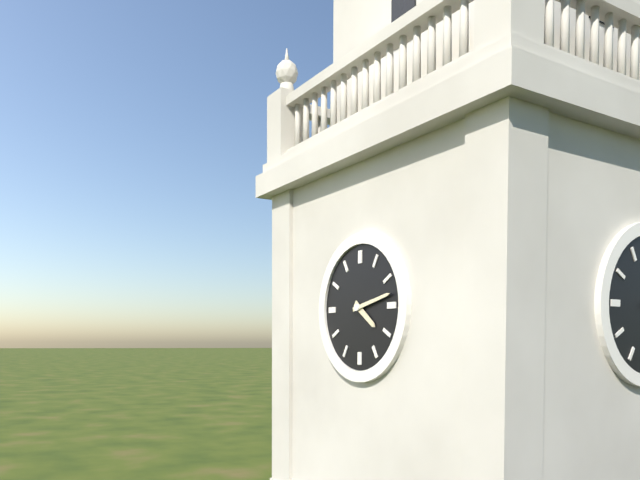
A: 4:13
